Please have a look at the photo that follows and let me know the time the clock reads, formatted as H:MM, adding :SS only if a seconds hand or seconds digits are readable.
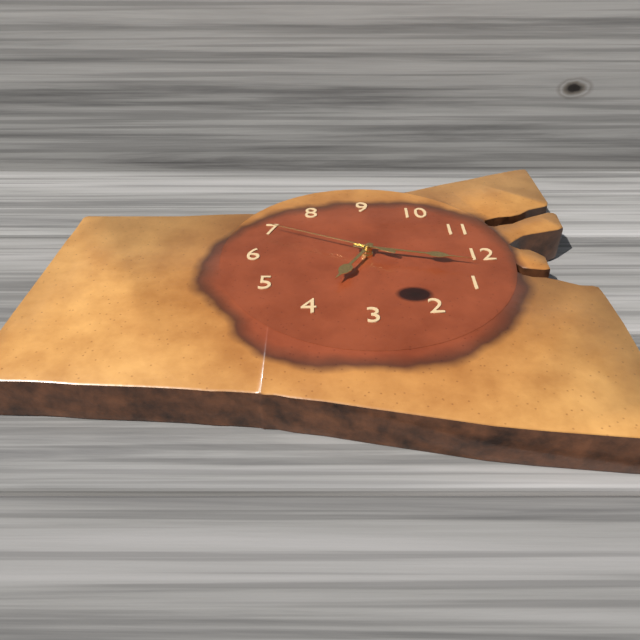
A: 4:02:34
